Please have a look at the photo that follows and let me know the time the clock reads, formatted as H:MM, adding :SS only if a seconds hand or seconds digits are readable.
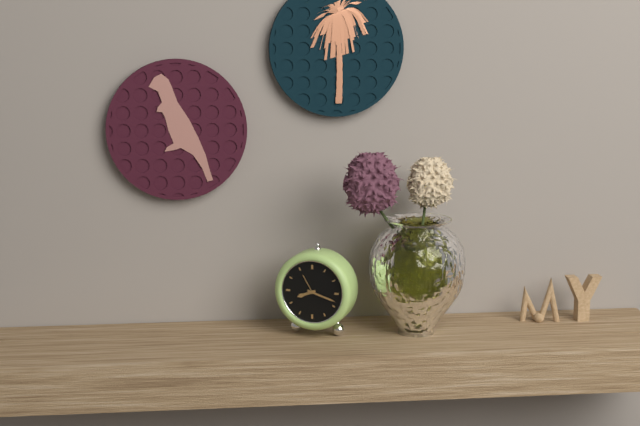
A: 8:18
